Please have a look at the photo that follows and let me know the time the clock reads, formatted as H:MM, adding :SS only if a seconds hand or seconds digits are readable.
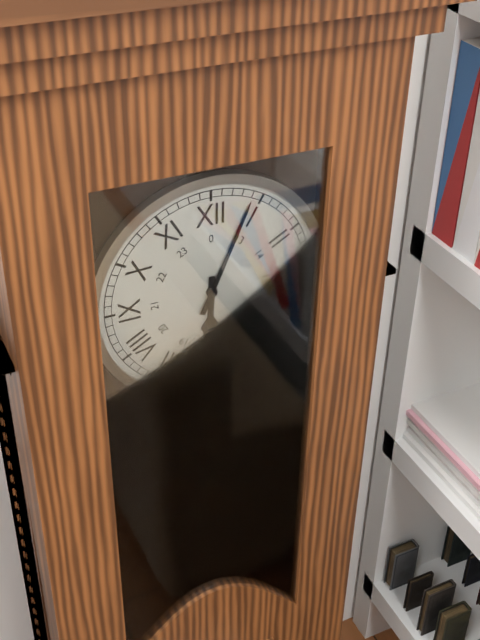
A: 6:04
